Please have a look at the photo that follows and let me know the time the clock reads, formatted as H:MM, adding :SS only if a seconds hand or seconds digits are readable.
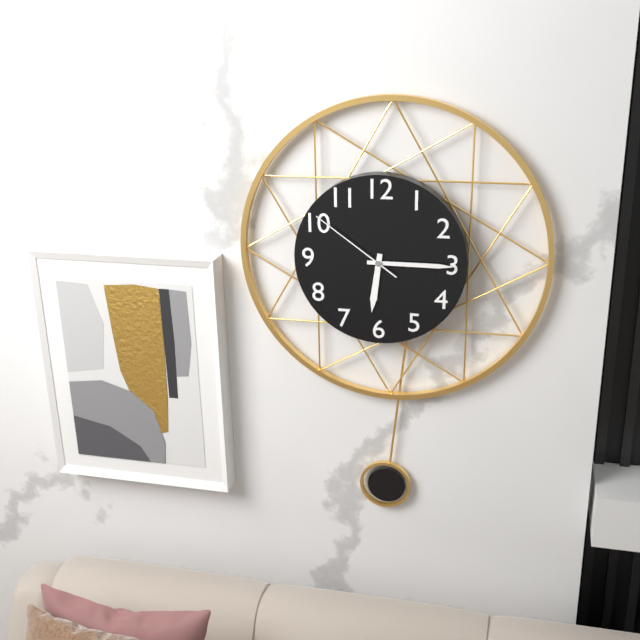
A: 6:15:51
